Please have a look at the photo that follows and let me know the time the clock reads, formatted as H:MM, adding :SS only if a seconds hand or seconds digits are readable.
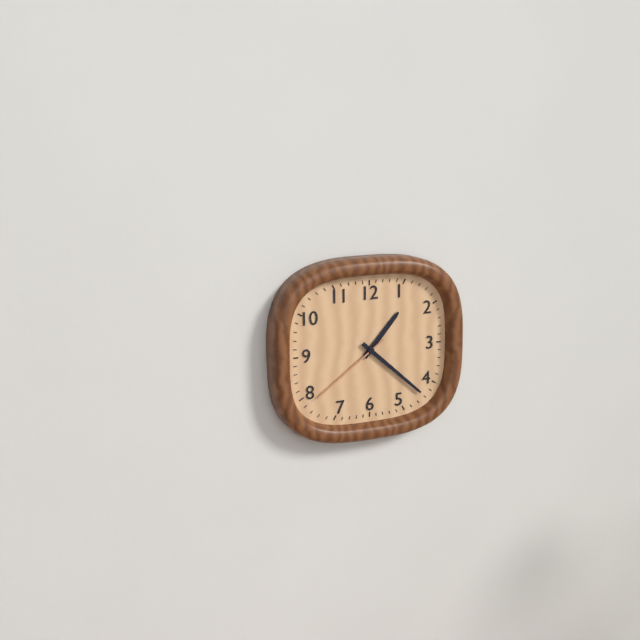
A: 1:22:39
